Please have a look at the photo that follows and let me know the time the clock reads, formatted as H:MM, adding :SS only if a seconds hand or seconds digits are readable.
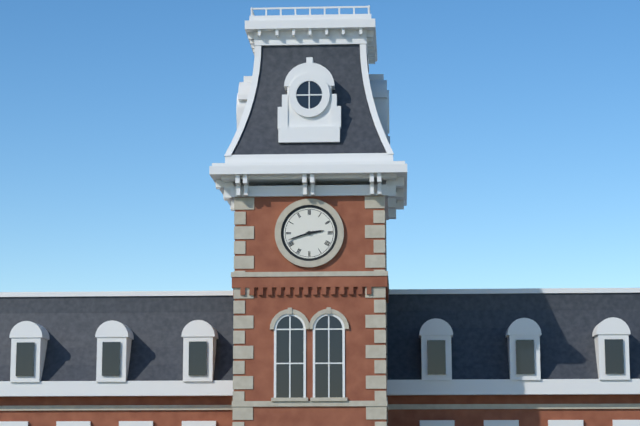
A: 2:42
